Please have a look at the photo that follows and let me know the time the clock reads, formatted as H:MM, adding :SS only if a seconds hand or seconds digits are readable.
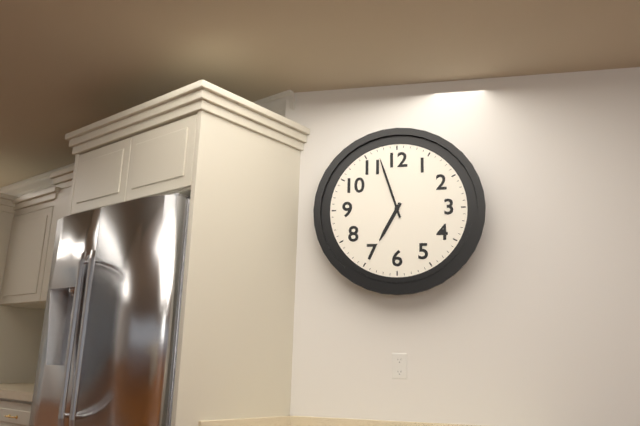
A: 6:57
